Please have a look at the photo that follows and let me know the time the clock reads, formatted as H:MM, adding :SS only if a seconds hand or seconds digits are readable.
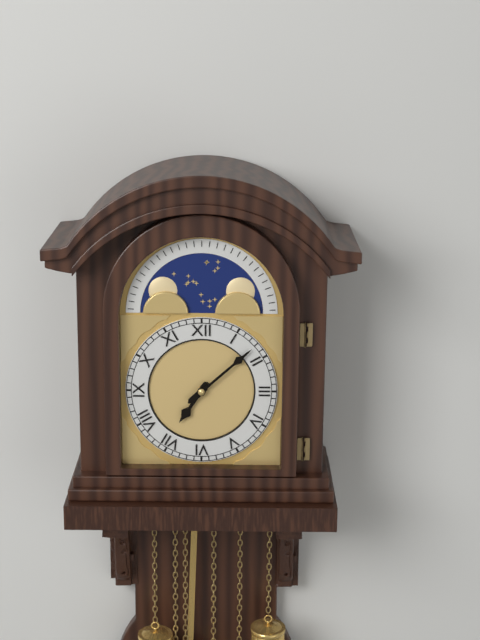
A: 7:08
